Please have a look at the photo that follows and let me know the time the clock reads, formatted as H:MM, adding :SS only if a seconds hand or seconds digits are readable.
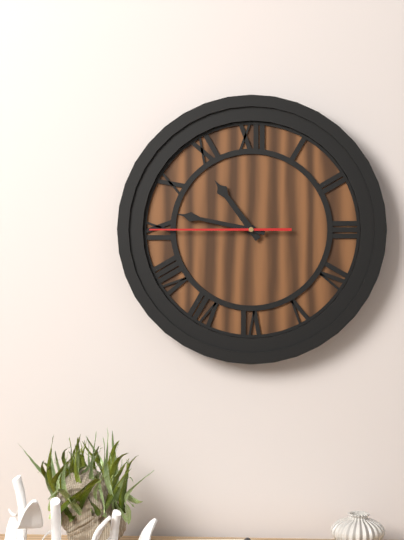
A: 10:47:45
